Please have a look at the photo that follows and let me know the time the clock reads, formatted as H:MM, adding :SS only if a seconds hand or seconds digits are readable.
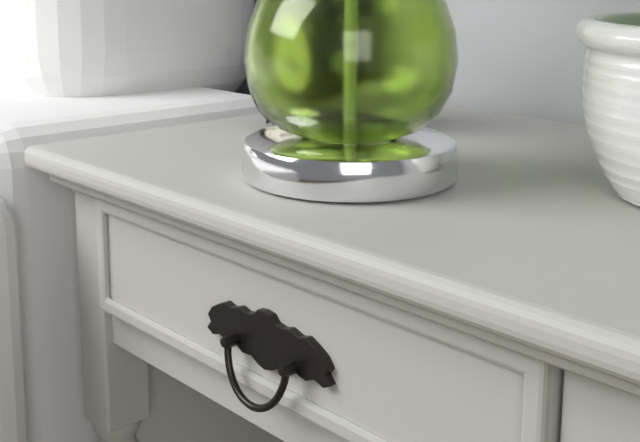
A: 3:19
